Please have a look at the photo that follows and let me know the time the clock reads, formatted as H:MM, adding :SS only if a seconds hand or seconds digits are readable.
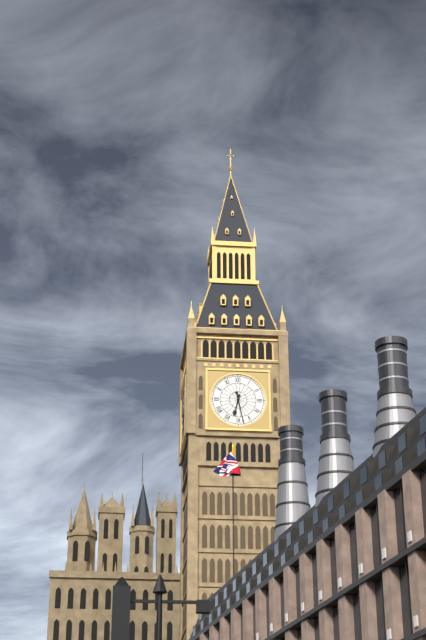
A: 6:28
